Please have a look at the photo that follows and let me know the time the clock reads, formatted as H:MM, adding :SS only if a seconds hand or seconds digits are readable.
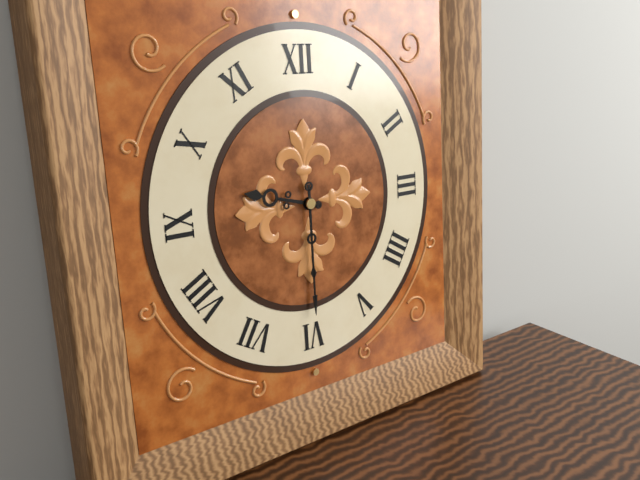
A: 9:30
